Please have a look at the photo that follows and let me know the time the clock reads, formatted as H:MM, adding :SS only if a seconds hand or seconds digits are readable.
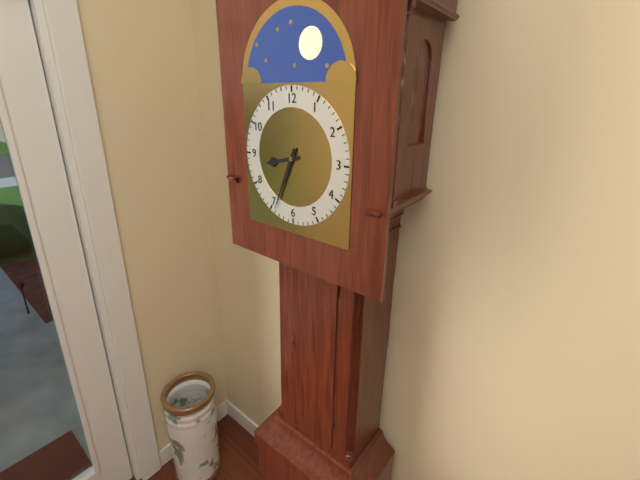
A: 8:34
